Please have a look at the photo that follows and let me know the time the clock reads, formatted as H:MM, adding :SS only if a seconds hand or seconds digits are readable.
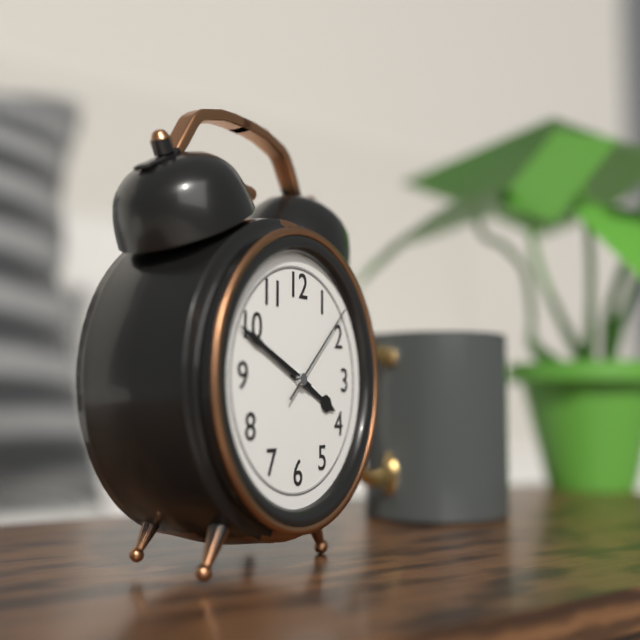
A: 3:49:08
